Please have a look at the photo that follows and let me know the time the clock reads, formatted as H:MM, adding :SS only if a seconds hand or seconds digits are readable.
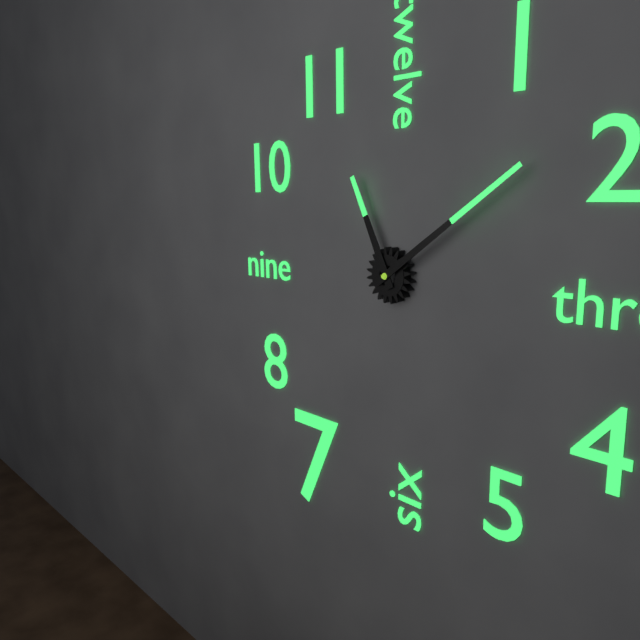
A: 11:09
